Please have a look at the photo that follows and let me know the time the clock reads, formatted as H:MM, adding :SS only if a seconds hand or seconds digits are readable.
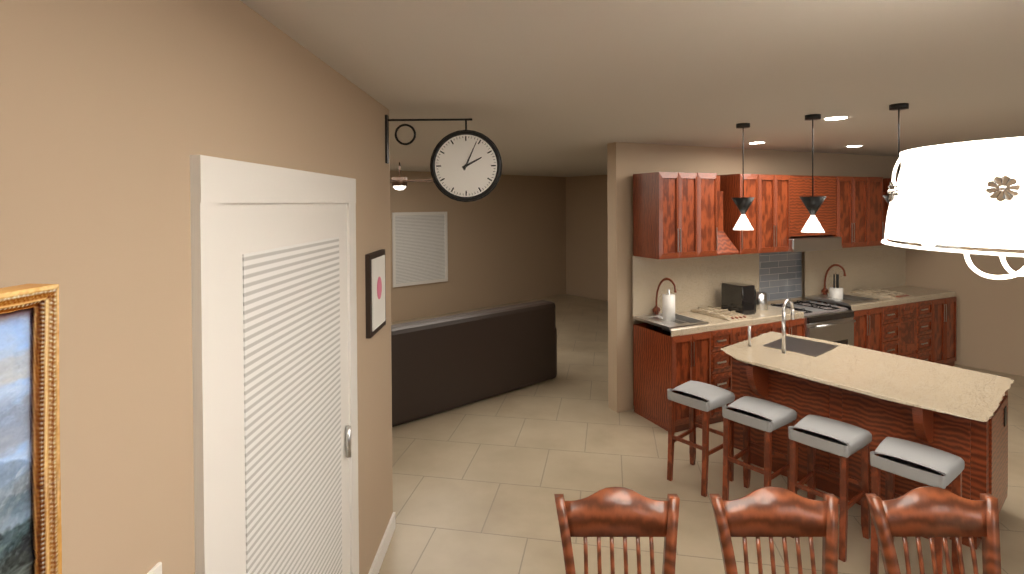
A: 2:04
